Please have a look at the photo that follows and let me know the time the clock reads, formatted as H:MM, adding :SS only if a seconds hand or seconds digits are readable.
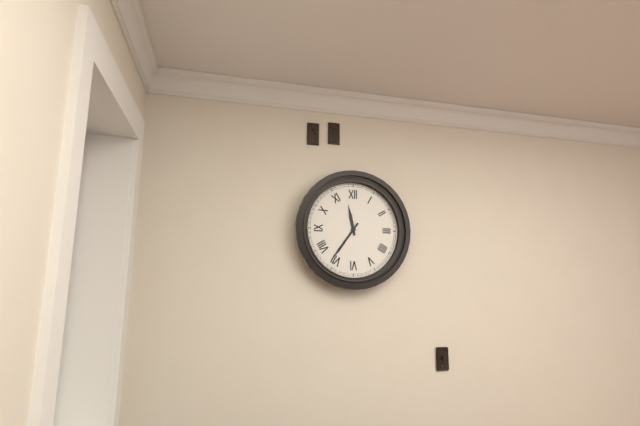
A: 11:36
